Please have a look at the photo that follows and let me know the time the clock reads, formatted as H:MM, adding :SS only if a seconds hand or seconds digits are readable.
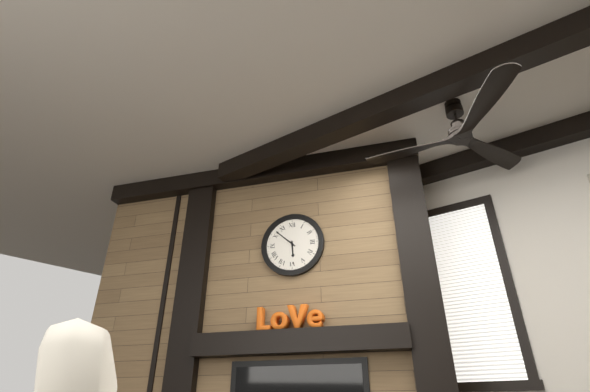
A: 5:52
